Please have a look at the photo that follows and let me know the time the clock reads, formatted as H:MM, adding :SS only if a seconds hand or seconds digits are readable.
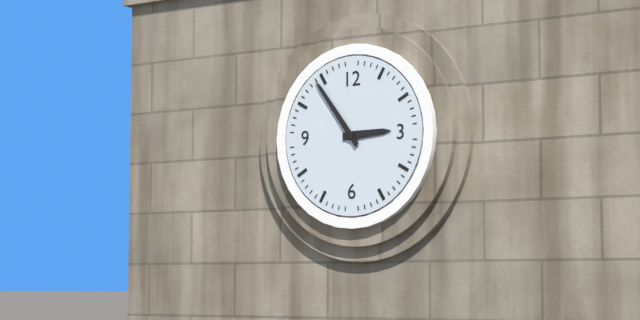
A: 2:54
